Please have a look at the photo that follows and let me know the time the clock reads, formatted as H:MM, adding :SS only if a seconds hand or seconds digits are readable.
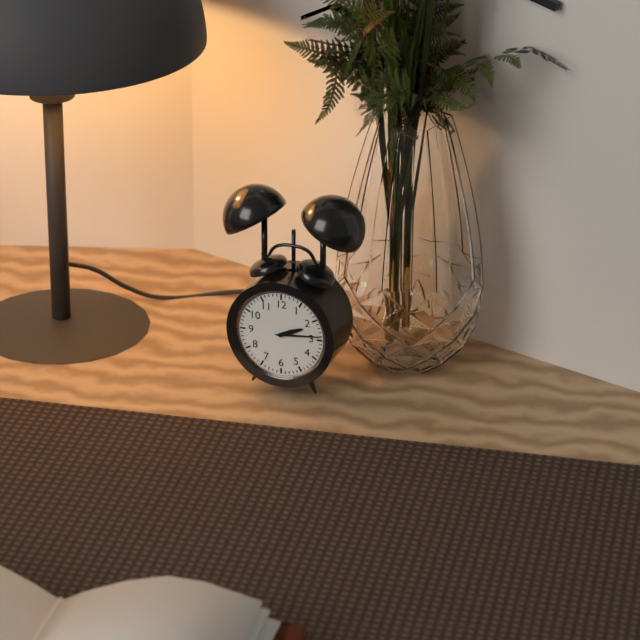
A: 2:14
